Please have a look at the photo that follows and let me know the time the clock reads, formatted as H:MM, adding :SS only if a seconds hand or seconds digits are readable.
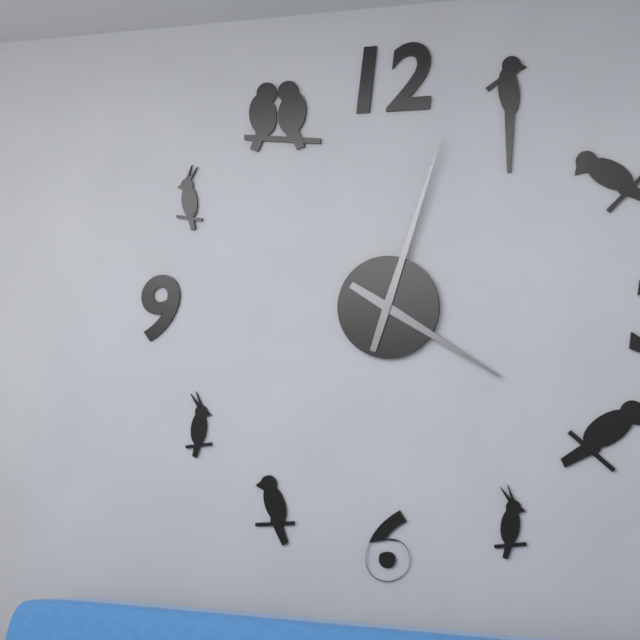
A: 4:03
